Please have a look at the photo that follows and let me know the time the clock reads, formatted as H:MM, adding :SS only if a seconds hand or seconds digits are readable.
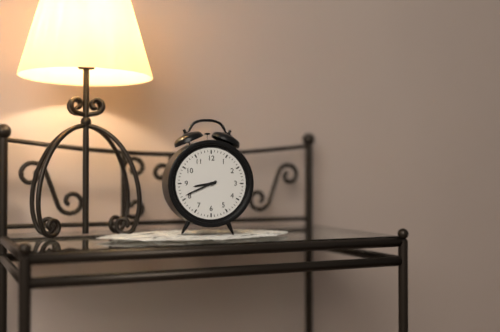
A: 8:41
